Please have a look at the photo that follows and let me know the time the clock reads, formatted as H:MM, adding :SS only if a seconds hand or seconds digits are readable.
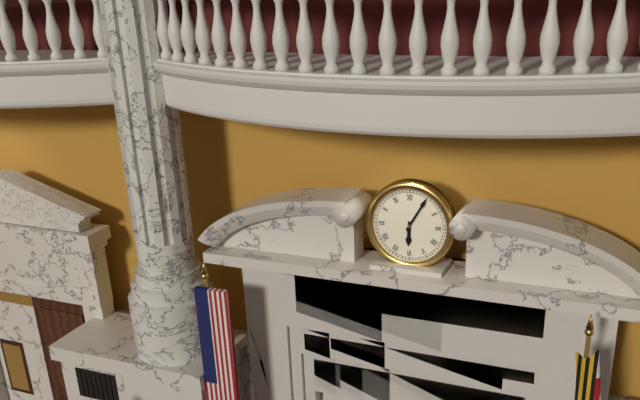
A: 6:05
